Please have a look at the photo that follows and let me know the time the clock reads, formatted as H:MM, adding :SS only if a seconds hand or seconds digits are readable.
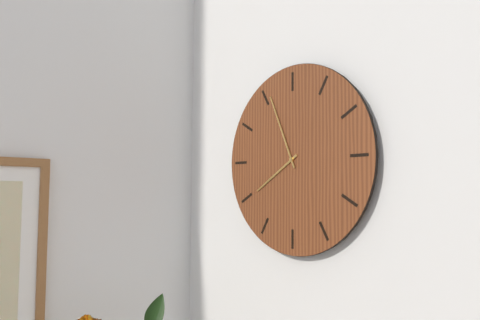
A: 7:56
